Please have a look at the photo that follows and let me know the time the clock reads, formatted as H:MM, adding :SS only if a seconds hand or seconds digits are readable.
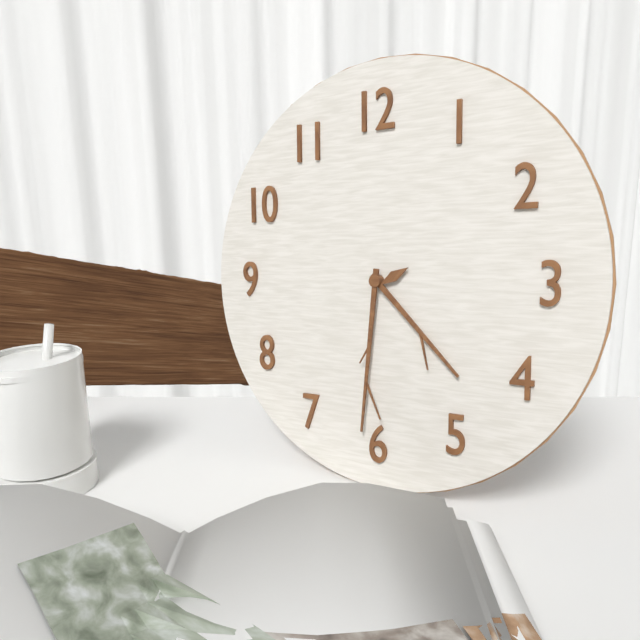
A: 4:31
